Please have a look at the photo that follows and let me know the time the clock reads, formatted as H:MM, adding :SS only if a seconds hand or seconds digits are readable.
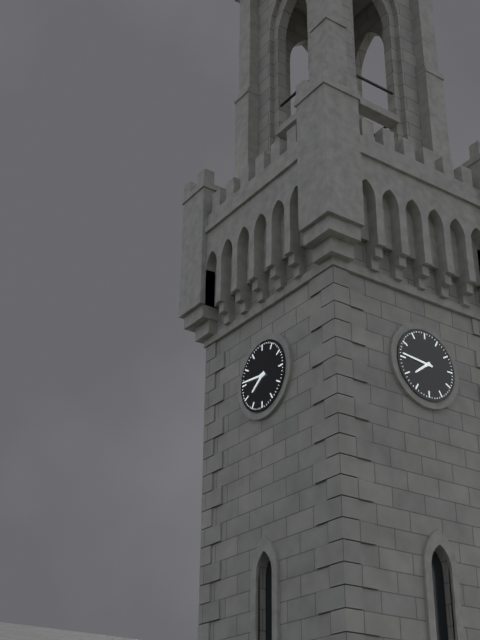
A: 7:46
